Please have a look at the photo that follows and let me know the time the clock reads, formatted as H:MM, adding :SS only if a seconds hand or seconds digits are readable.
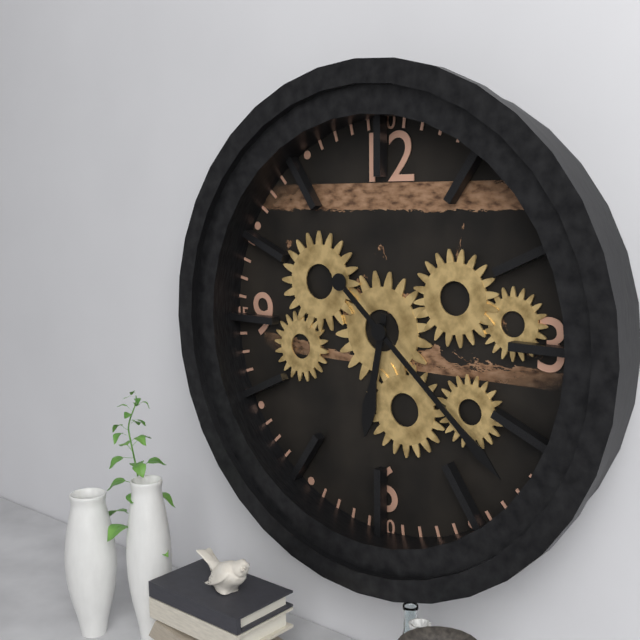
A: 6:22
